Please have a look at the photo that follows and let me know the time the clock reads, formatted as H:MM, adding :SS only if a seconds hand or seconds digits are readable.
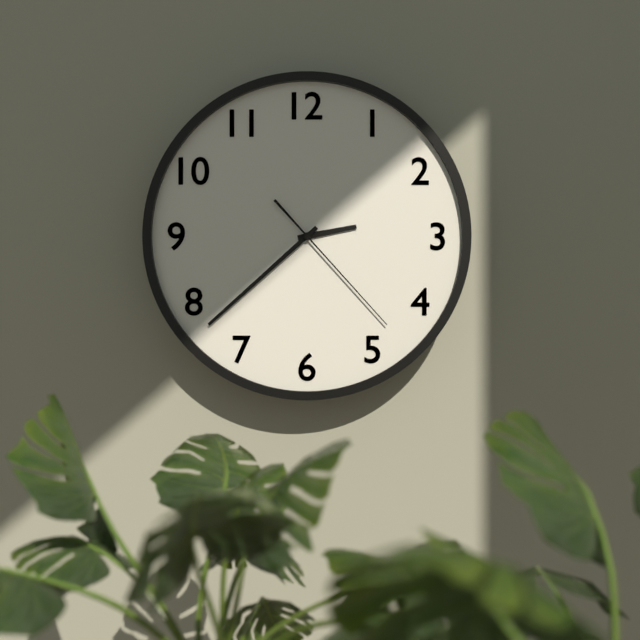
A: 2:38:23
